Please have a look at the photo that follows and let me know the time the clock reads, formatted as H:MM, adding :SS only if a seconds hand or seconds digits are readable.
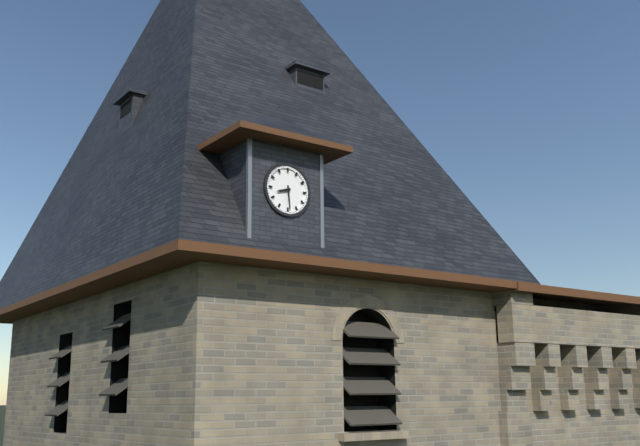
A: 8:29
